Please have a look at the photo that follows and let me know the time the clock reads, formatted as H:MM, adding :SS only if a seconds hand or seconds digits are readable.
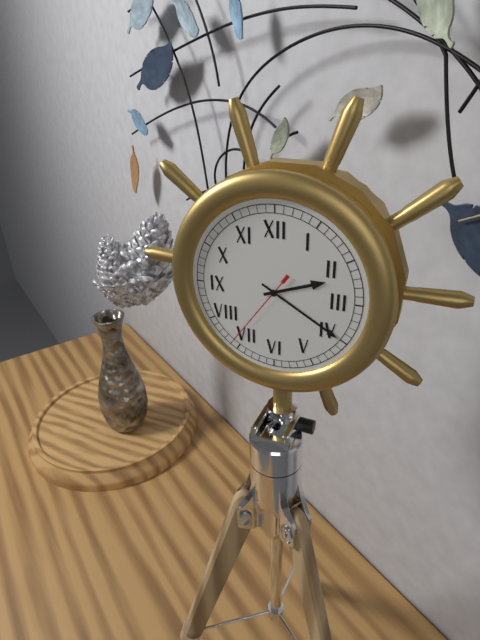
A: 2:20:36
